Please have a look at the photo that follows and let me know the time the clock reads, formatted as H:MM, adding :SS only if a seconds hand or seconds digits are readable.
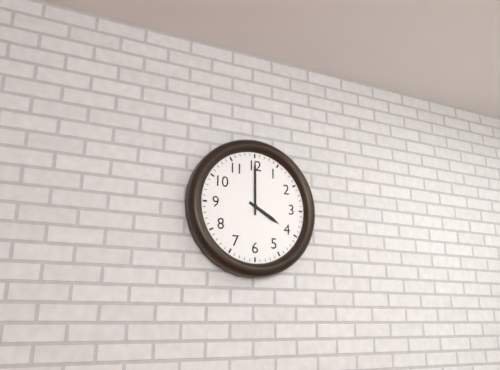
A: 4:00
